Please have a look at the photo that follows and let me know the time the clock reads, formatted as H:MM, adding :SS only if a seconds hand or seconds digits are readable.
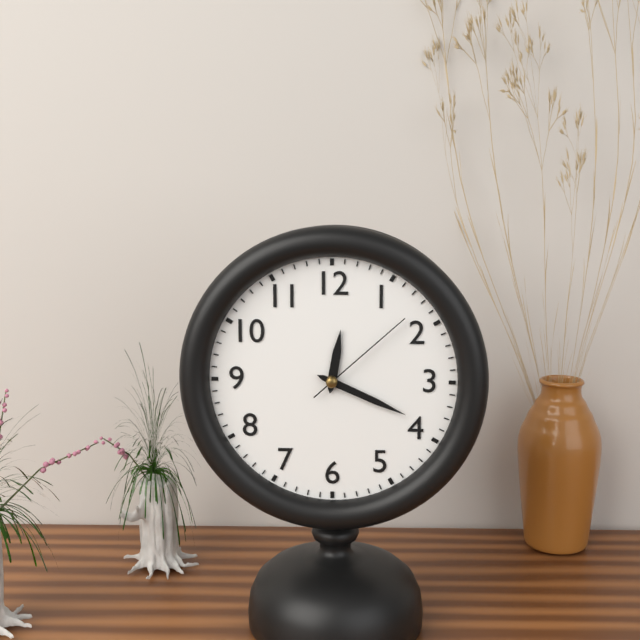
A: 12:19:08
